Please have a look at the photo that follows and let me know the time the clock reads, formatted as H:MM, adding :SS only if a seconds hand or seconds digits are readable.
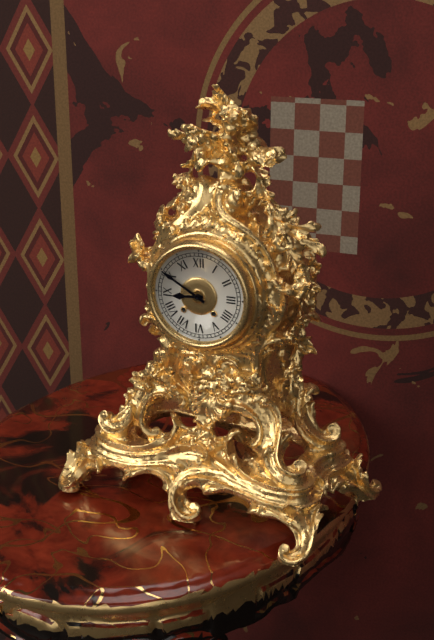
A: 8:50
